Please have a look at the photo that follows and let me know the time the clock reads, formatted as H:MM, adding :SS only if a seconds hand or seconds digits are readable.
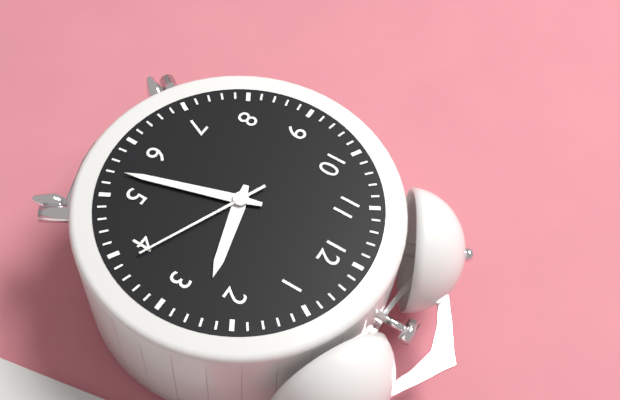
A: 2:27:19
